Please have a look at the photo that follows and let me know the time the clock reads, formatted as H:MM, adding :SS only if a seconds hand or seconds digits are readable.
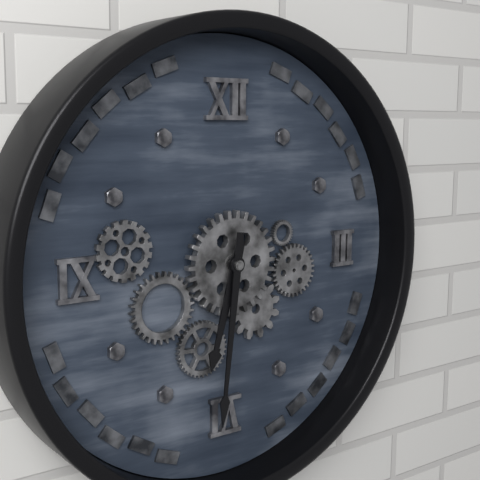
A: 6:31
